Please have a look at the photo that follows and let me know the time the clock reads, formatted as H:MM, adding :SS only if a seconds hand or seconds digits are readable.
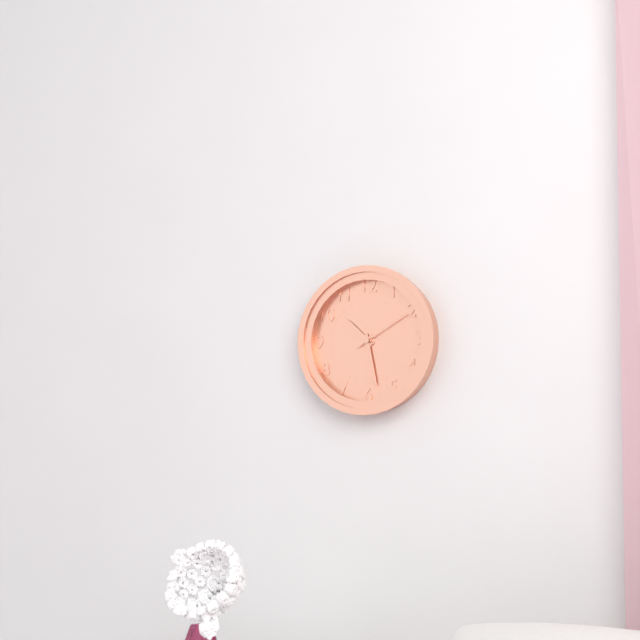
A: 10:28:10
